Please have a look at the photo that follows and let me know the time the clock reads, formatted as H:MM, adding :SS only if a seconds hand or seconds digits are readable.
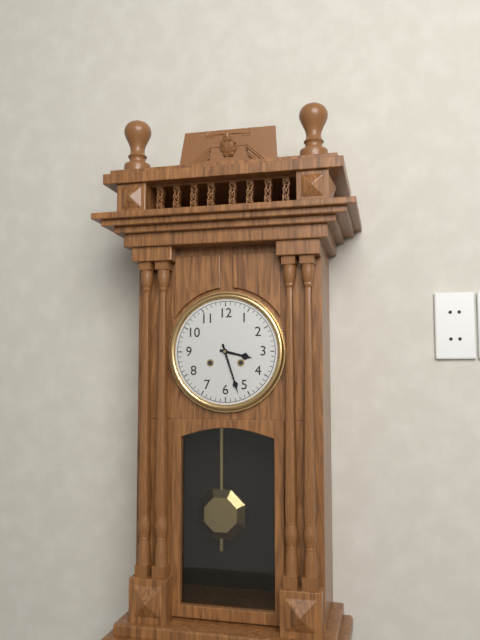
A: 3:27
